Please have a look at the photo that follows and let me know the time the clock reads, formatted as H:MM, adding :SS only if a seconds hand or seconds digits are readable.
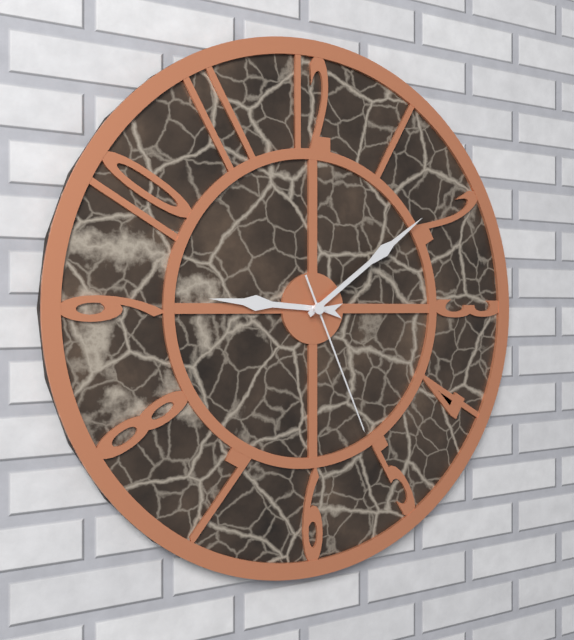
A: 9:09:26
